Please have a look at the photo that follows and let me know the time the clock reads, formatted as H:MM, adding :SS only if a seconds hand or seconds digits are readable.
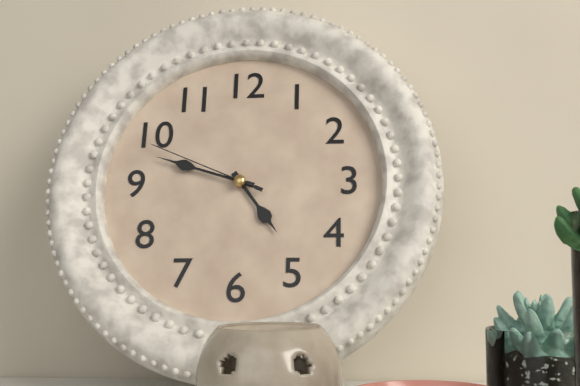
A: 4:48:49
